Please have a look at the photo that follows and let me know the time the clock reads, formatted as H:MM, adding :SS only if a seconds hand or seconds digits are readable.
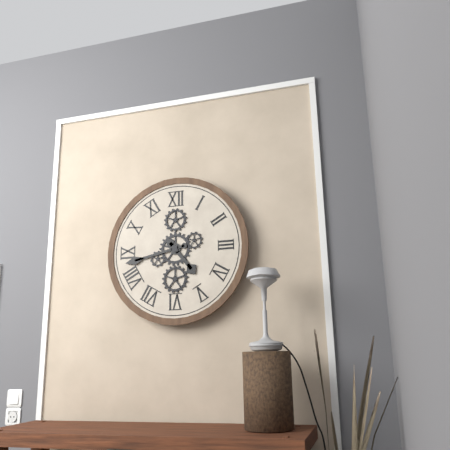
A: 4:43
